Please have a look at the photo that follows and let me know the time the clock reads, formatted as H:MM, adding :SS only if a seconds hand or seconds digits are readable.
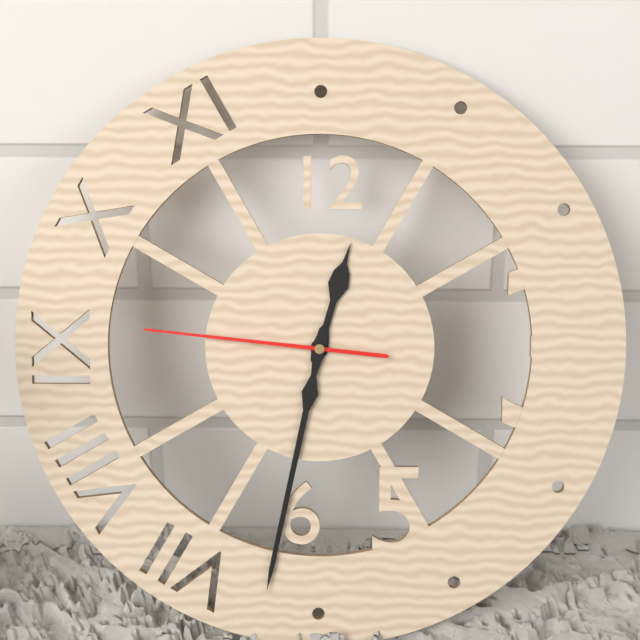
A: 12:32:46
